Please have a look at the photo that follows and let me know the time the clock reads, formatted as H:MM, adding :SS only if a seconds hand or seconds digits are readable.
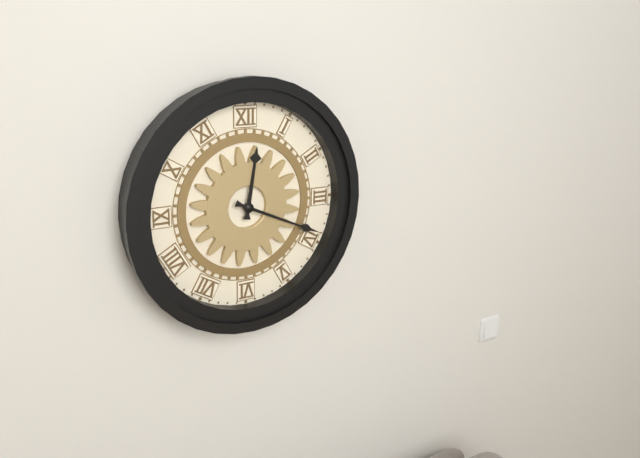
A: 12:19
